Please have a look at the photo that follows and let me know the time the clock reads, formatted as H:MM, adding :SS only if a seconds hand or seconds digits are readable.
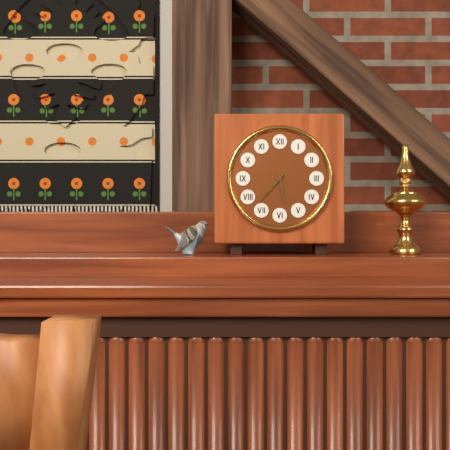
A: 5:37
